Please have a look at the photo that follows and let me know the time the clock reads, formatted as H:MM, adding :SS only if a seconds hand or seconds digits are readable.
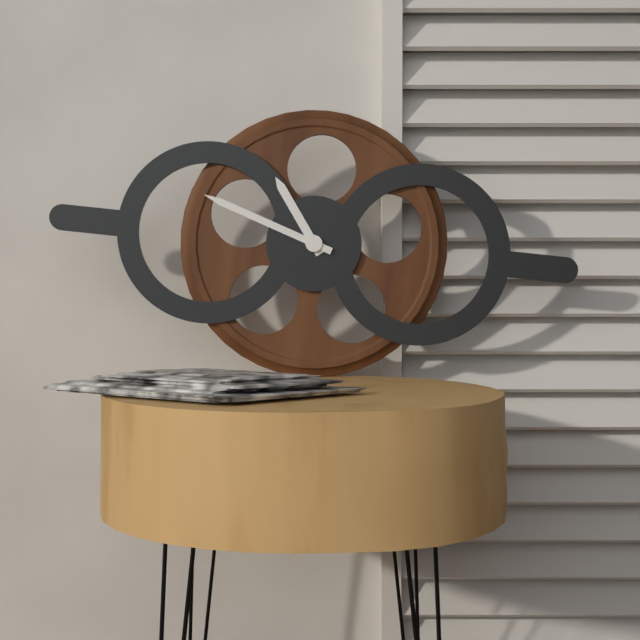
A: 10:48
